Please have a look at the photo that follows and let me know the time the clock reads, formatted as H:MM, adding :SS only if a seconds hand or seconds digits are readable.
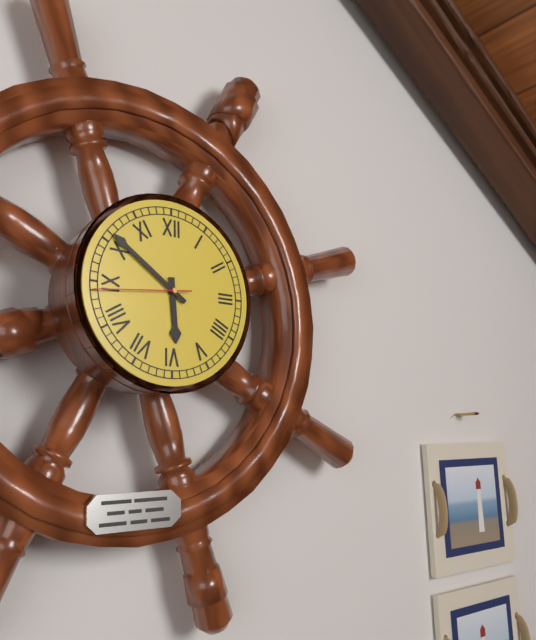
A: 5:51:44
